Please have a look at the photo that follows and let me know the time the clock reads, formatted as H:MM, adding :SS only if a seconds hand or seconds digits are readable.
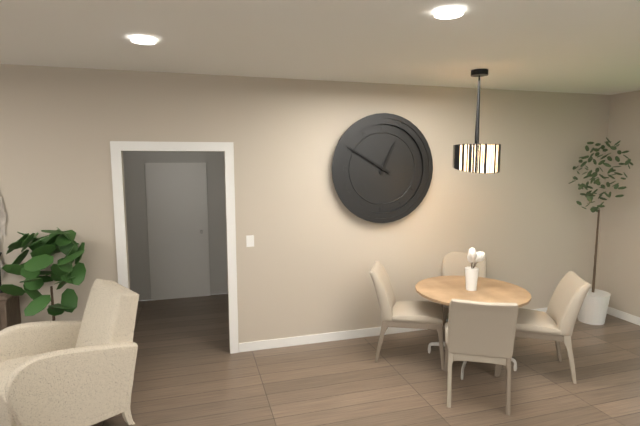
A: 12:50
